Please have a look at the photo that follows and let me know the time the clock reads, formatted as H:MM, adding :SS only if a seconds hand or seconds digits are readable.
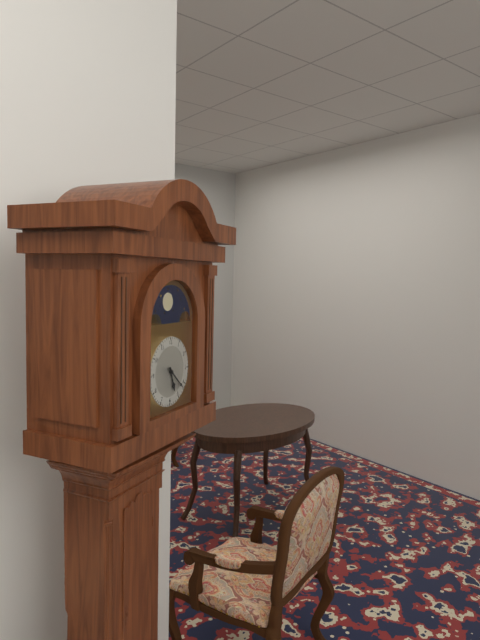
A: 5:22
